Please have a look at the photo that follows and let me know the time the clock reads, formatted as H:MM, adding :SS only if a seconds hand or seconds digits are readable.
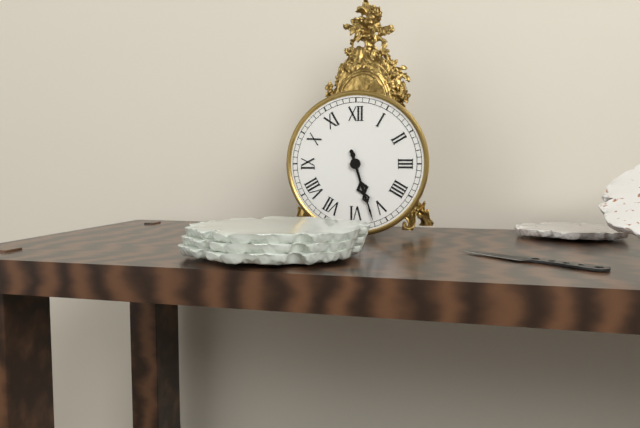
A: 5:27
